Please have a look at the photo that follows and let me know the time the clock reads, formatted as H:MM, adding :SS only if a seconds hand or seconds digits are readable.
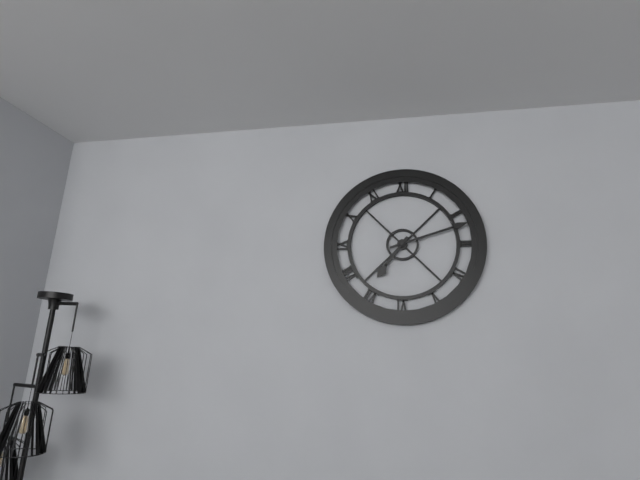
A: 7:12
